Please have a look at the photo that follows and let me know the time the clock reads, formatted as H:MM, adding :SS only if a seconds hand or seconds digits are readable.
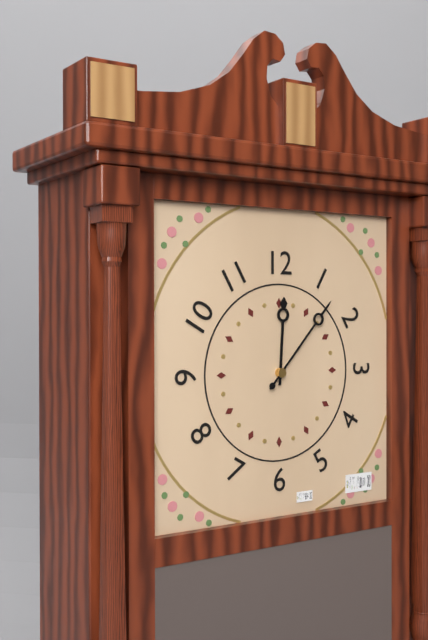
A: 12:07
